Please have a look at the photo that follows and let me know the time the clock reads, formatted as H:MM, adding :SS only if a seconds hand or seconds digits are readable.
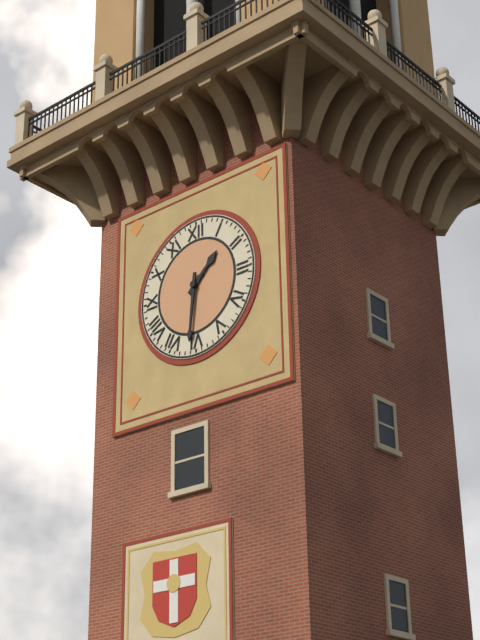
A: 1:31
